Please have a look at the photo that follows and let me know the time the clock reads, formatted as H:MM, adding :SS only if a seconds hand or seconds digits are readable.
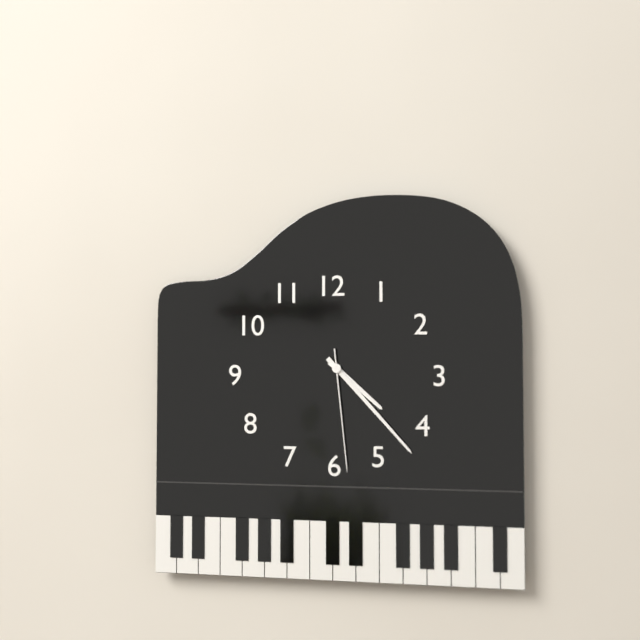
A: 4:23:29
